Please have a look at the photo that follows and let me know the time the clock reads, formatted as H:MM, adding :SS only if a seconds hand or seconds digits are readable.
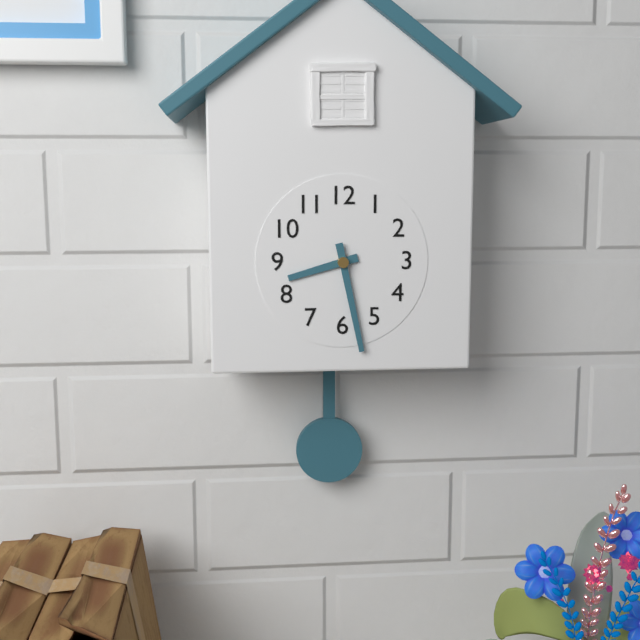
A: 8:28
